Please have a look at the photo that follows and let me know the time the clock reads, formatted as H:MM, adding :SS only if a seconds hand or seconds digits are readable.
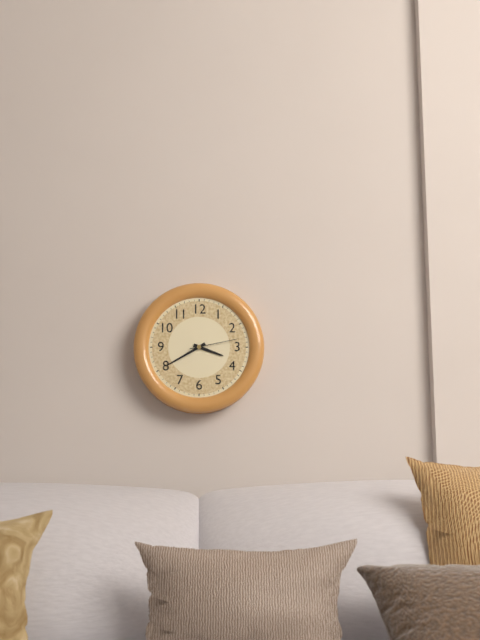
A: 3:40:13
